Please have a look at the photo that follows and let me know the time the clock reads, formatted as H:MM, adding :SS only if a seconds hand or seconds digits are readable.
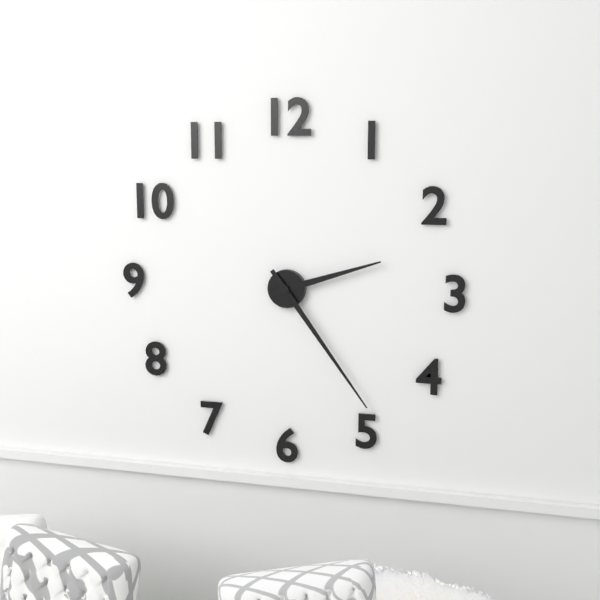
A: 2:24
